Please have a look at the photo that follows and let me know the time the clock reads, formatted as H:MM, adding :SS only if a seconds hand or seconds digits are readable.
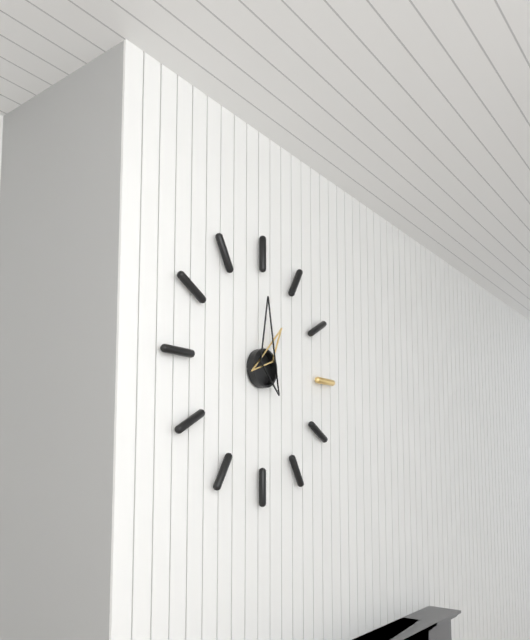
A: 1:00
